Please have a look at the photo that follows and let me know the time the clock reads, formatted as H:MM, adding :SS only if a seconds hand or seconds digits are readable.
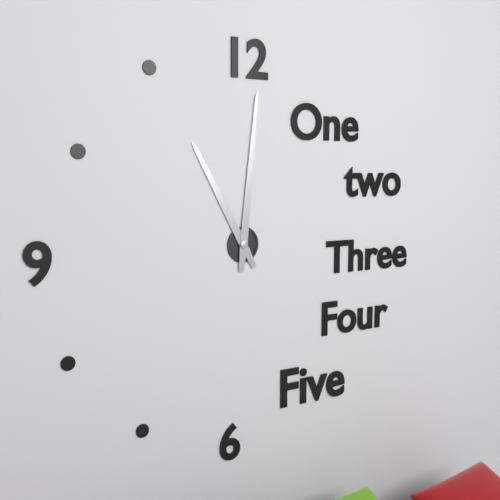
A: 11:01
